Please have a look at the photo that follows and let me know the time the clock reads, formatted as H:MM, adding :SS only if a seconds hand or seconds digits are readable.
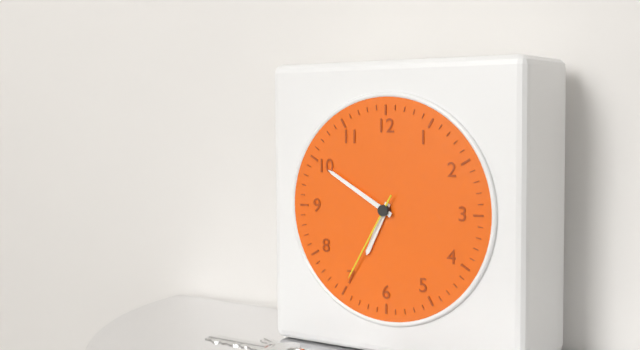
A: 6:50:35
